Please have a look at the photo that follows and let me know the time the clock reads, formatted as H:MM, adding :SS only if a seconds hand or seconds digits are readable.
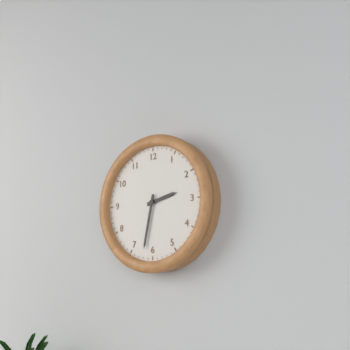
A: 2:32
